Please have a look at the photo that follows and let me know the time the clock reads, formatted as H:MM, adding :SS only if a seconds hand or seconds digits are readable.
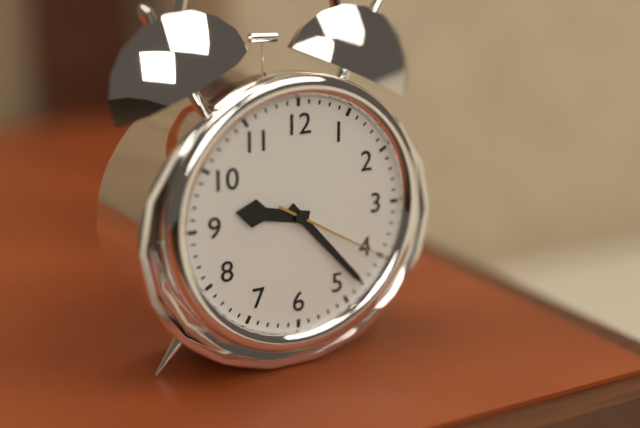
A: 9:23:20
